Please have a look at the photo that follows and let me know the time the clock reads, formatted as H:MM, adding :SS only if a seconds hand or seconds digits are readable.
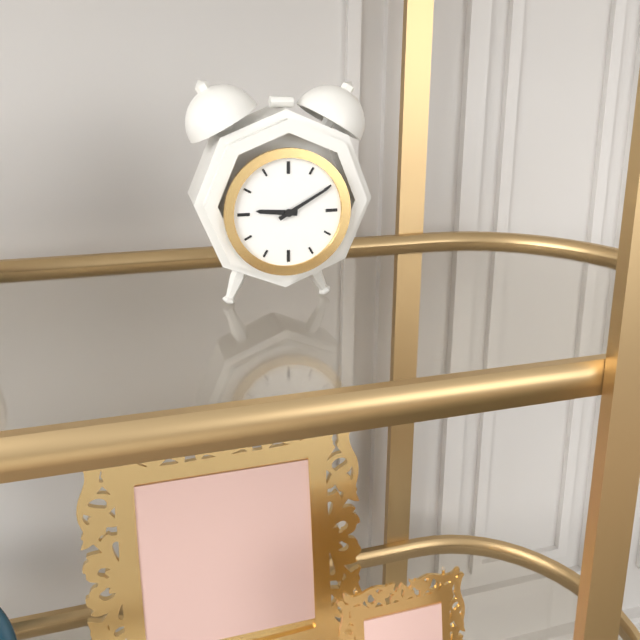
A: 9:10
